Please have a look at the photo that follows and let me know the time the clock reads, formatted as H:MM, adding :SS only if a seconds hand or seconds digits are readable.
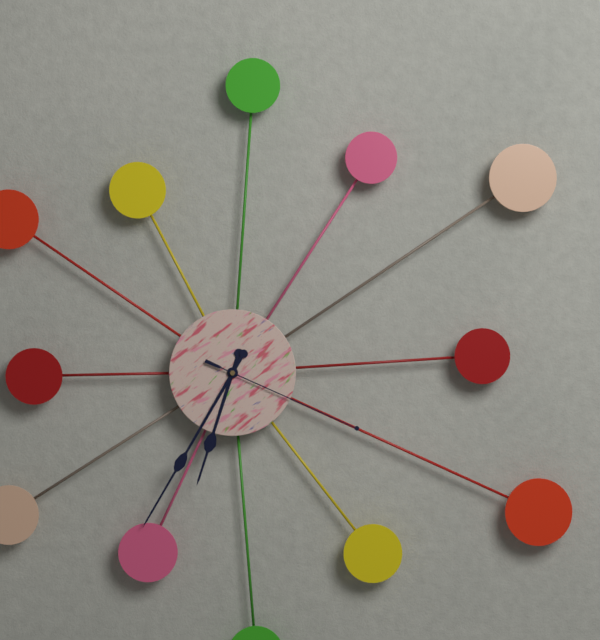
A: 6:35:19
